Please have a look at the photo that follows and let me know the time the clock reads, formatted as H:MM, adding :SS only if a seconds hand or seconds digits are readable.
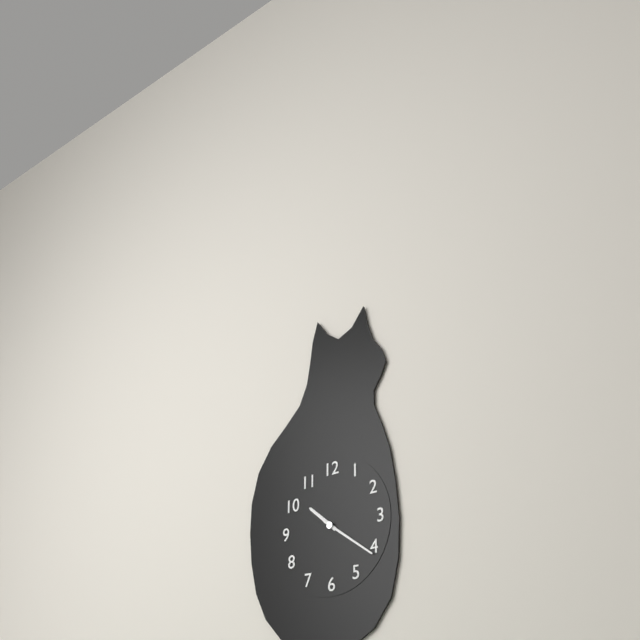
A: 10:21
